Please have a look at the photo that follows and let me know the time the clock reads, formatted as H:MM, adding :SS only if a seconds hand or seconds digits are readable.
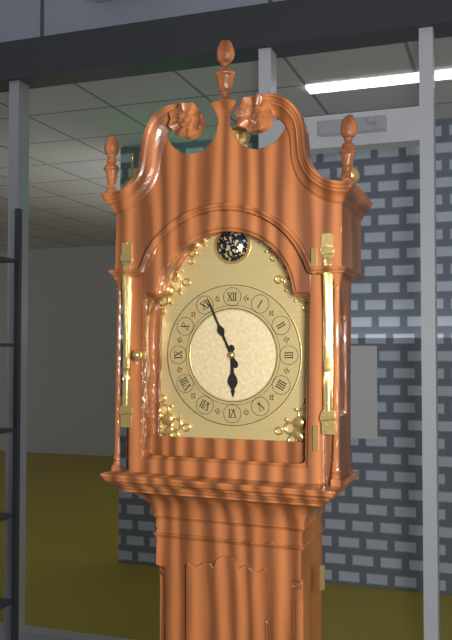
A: 5:56
